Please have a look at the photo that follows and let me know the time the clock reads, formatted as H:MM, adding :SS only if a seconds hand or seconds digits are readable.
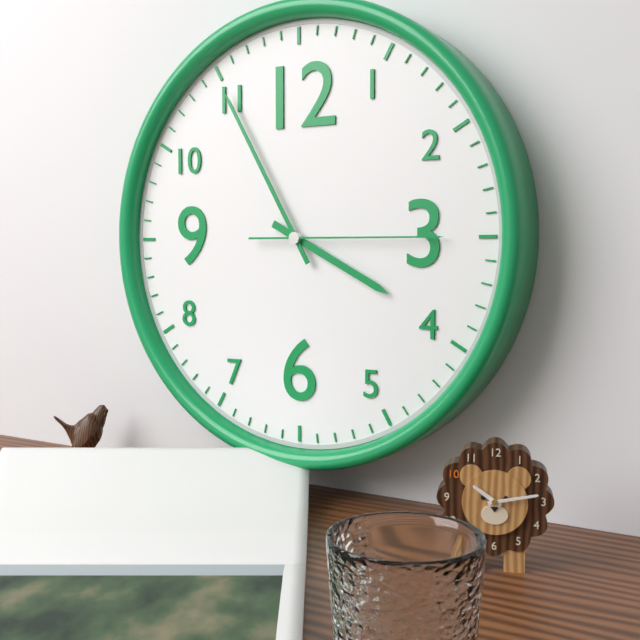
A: 3:55:15
